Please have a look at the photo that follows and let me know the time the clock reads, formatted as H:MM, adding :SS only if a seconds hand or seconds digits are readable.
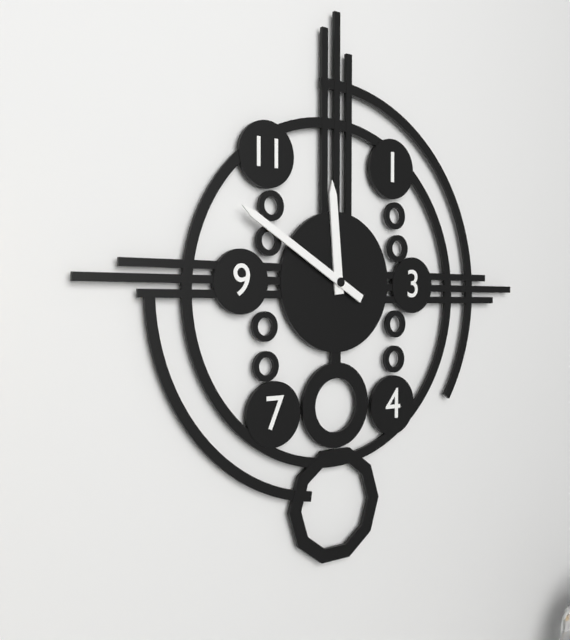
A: 11:50
